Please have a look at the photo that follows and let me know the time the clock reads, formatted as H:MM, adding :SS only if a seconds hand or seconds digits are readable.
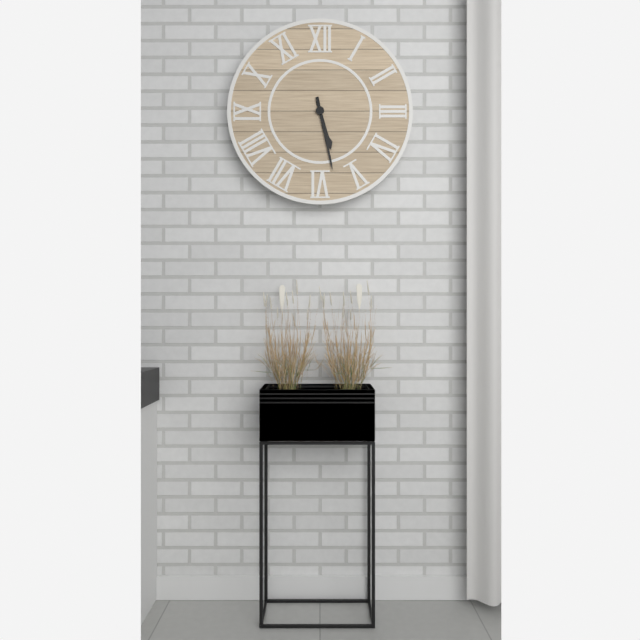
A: 5:28
